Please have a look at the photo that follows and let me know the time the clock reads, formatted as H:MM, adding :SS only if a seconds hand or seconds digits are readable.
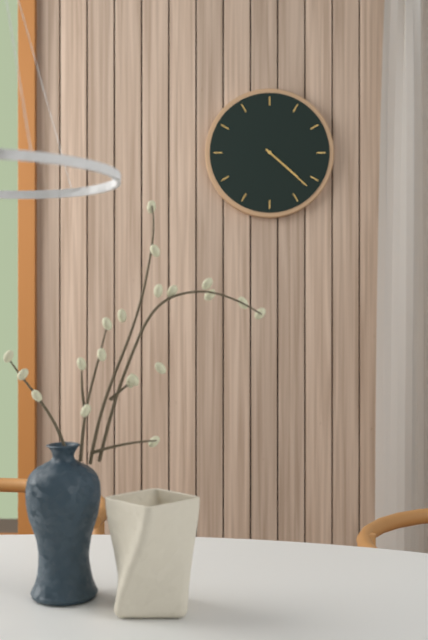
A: 4:22
